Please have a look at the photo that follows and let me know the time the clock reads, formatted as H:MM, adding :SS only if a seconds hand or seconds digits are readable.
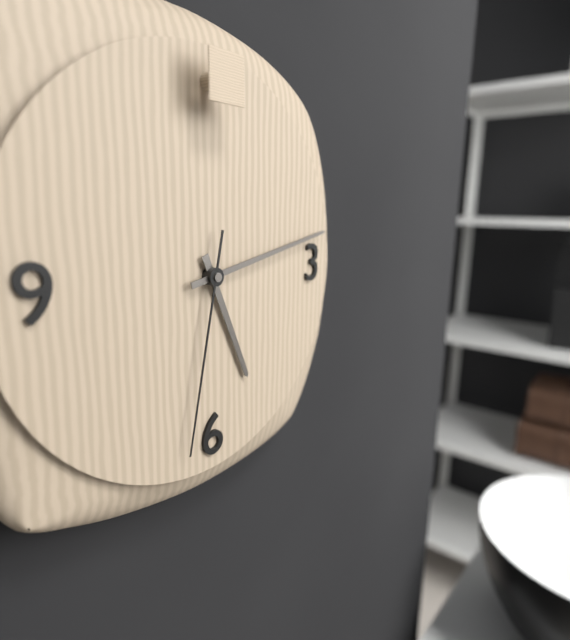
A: 5:13:32
